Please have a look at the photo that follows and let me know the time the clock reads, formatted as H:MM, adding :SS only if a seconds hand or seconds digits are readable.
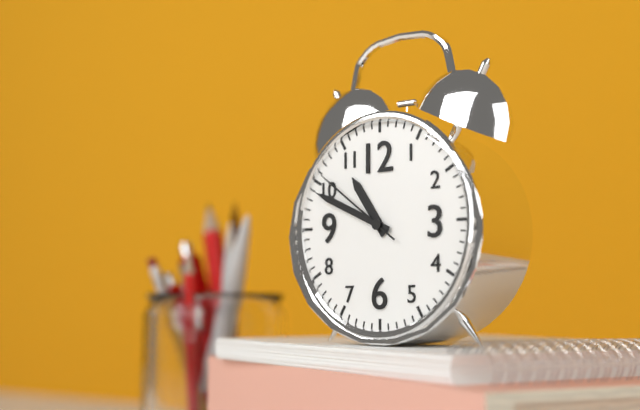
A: 10:49:51
